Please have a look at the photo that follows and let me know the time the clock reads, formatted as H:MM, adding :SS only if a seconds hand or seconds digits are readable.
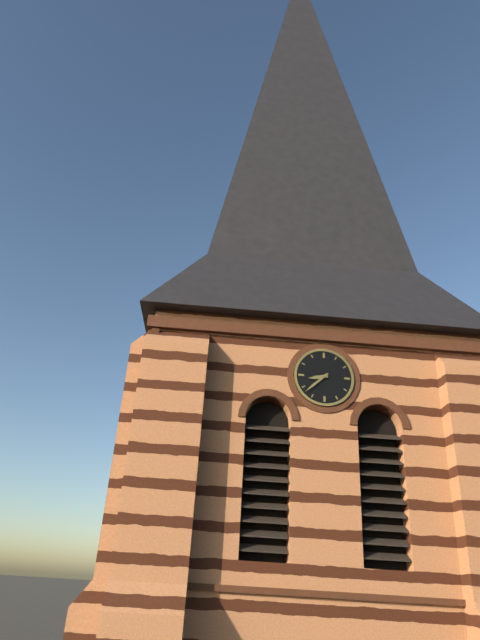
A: 8:38
